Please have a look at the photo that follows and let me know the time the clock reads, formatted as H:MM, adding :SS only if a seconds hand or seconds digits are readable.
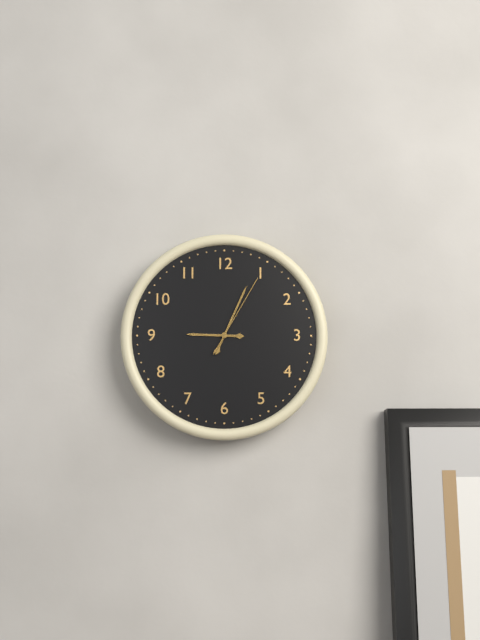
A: 9:04:05
